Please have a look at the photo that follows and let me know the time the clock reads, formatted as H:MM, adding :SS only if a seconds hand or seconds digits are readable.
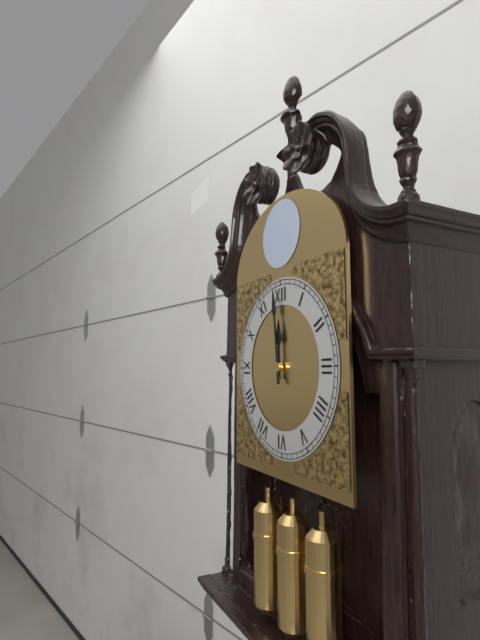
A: 11:59
